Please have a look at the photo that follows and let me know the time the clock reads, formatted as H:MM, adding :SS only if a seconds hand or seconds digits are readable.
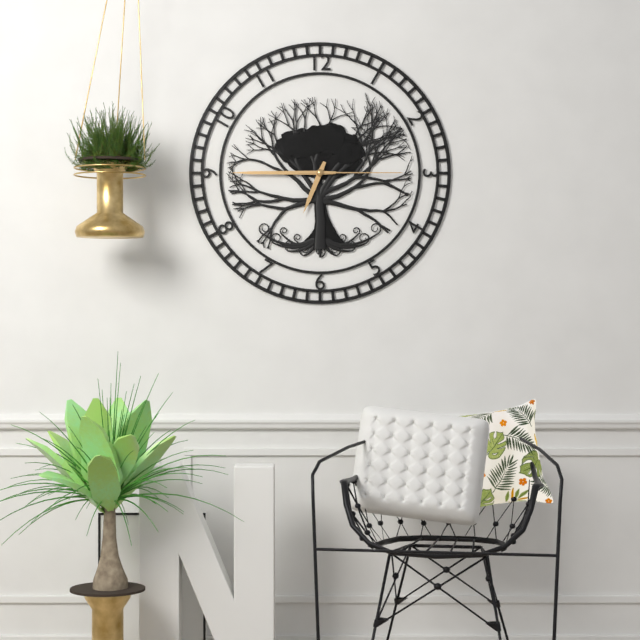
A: 6:45:15
